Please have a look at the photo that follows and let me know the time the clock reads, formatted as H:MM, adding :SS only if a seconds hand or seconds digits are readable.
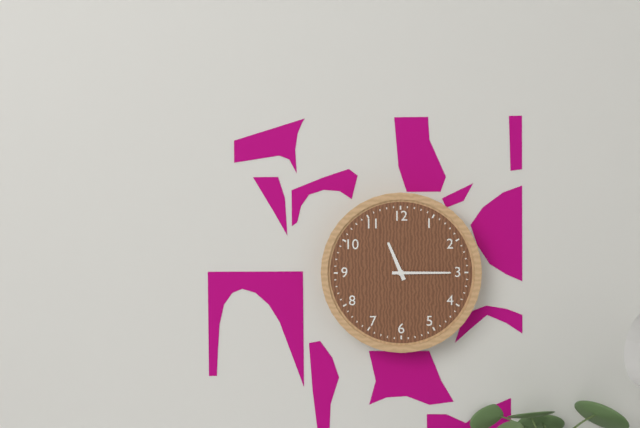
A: 11:15
